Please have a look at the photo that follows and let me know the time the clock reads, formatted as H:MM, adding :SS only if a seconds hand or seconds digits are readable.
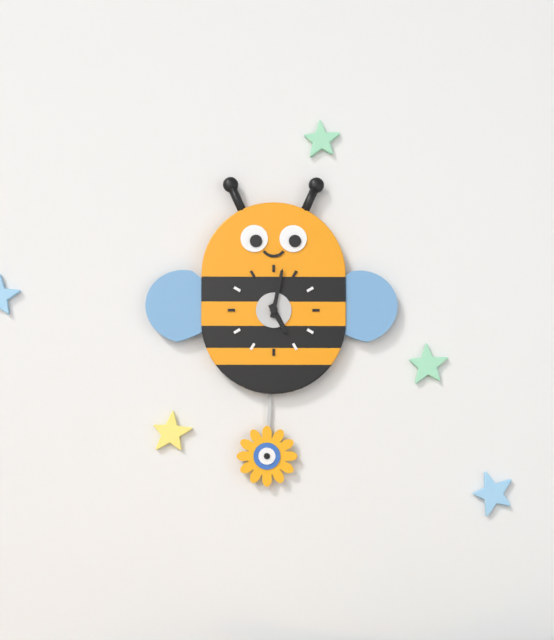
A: 5:02
